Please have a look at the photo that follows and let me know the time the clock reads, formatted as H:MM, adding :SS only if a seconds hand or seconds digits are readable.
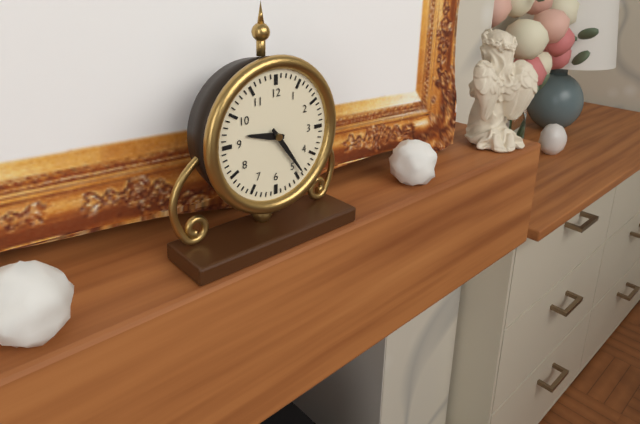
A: 9:24
